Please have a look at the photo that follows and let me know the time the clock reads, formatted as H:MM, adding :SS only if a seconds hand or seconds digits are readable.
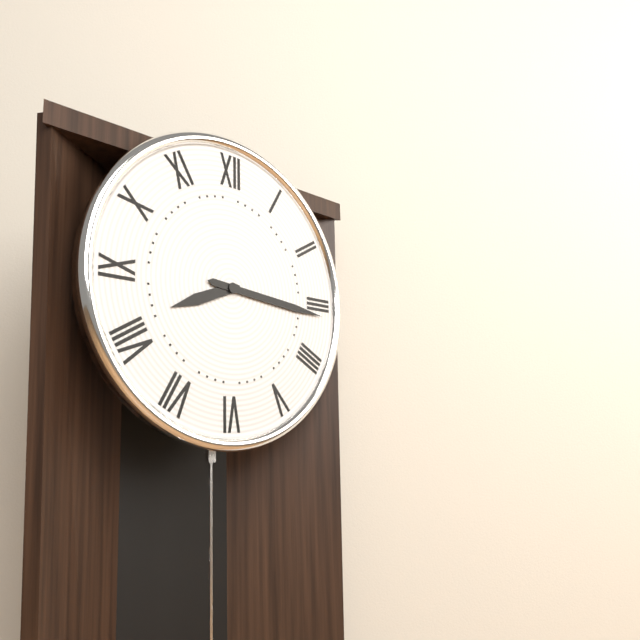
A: 8:16
